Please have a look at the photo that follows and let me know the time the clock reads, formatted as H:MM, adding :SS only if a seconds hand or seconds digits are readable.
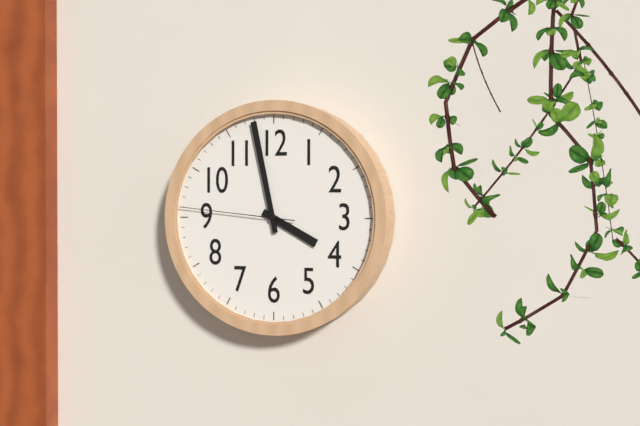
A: 3:58:46
